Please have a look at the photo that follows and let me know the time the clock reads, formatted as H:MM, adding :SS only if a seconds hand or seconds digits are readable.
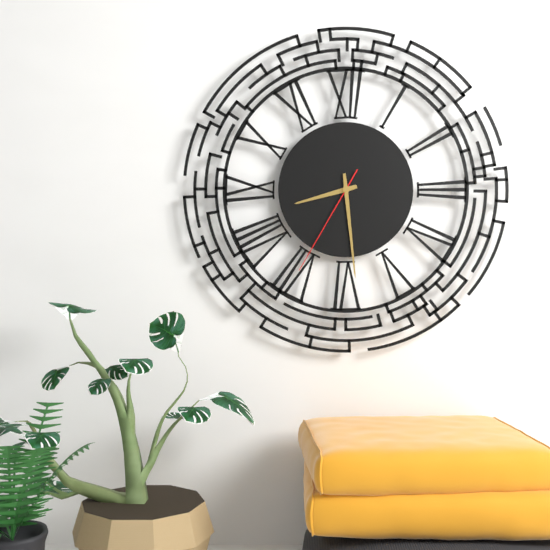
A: 8:29:35
